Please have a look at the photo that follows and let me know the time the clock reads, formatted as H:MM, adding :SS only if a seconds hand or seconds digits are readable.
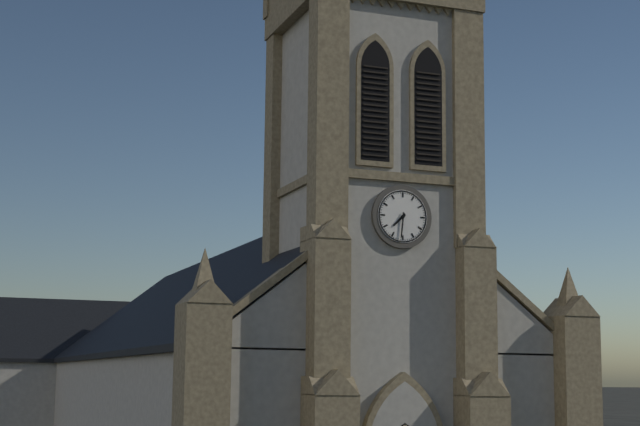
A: 7:31
